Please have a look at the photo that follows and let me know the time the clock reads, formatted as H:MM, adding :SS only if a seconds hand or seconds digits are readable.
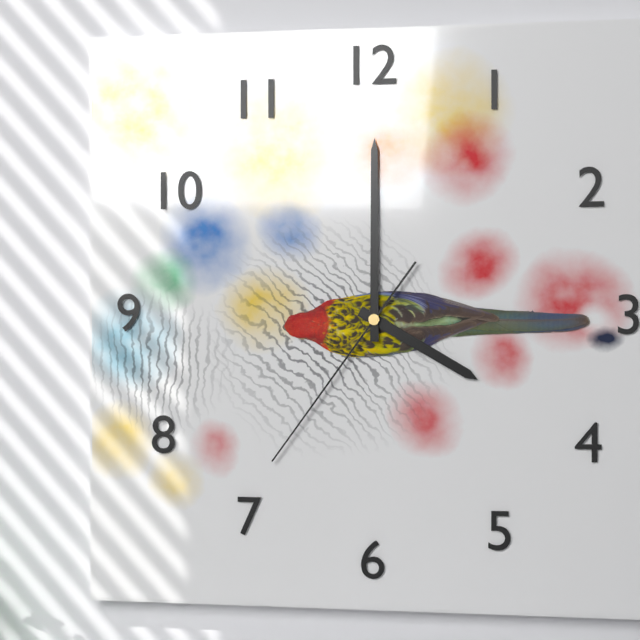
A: 4:00:36
